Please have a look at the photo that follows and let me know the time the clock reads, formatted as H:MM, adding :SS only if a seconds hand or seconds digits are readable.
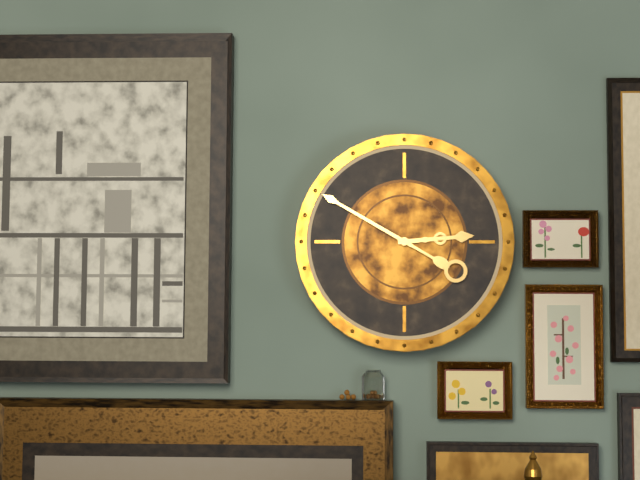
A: 2:50
